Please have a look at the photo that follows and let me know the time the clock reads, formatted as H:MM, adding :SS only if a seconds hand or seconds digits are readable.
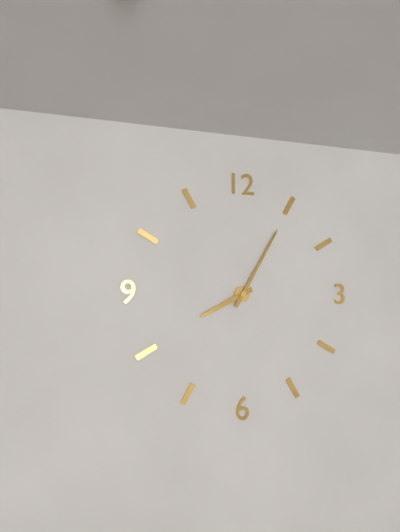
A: 8:05
